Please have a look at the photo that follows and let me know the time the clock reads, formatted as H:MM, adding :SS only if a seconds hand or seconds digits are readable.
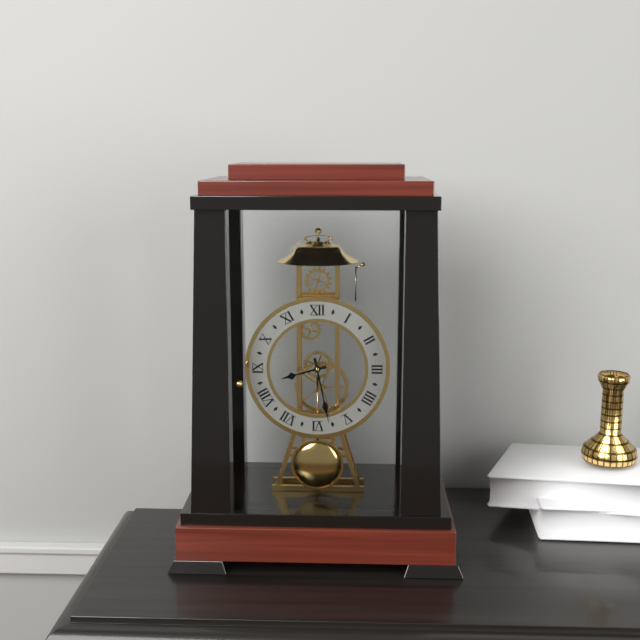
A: 8:28
